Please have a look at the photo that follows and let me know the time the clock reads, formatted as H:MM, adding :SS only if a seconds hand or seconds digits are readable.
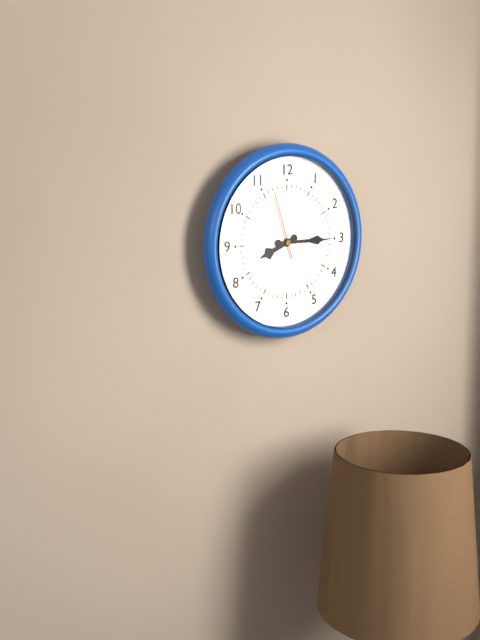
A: 8:15:57
